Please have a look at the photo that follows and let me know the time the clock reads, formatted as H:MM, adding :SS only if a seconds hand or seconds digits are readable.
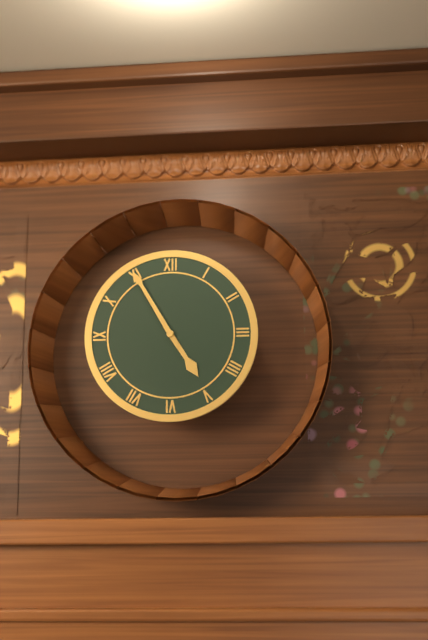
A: 4:55
